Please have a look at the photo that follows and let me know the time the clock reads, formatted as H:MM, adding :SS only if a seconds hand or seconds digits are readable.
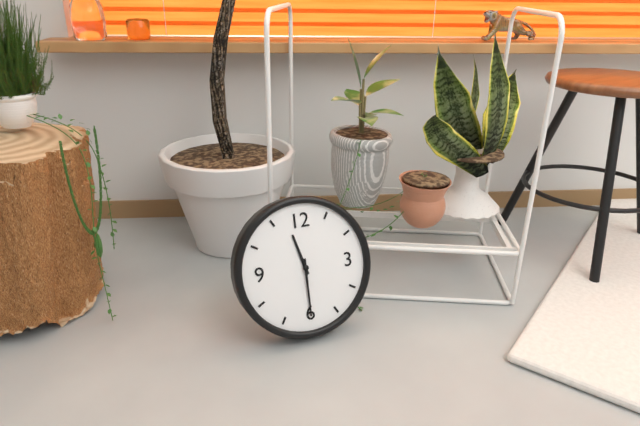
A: 11:30
